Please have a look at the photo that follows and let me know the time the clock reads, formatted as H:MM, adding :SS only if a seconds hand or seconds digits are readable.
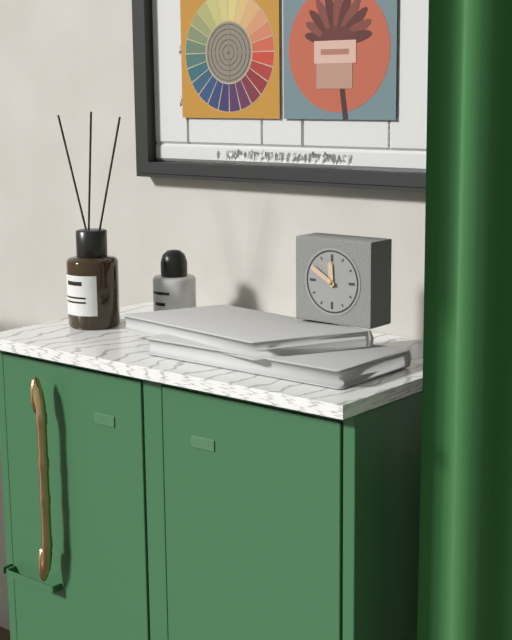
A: 11:50
